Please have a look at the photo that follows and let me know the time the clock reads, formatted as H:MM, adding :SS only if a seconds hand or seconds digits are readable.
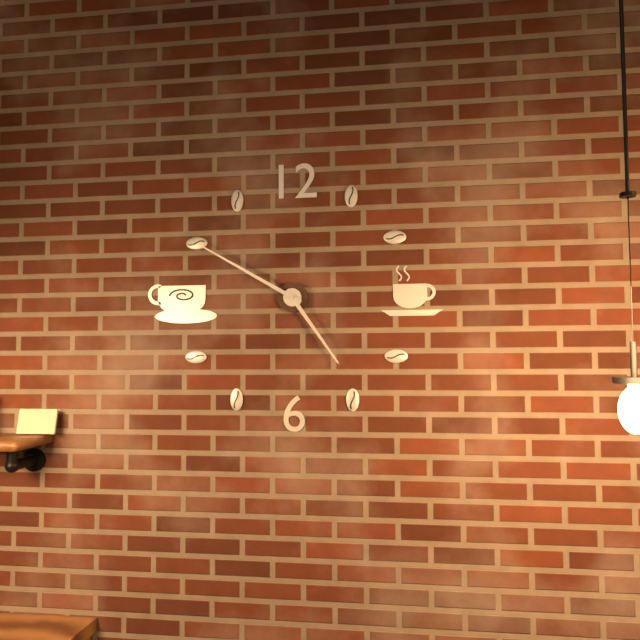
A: 4:50
